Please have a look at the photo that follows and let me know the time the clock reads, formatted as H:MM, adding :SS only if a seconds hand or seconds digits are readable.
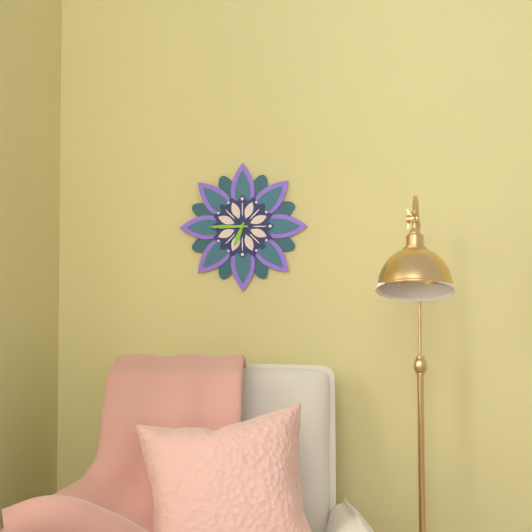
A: 6:45
